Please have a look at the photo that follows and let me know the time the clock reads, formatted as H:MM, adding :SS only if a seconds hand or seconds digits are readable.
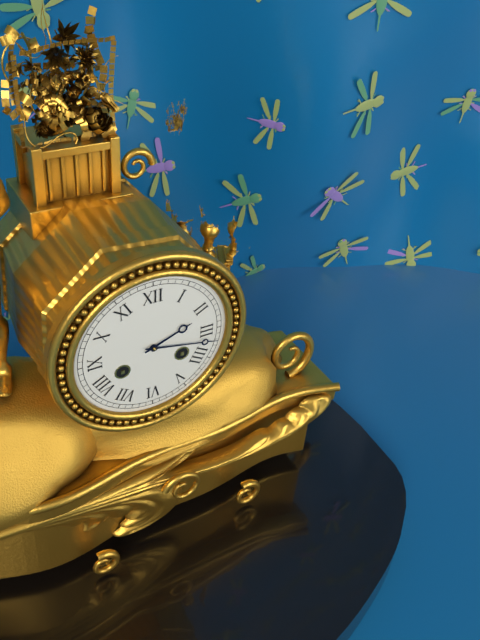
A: 2:17
